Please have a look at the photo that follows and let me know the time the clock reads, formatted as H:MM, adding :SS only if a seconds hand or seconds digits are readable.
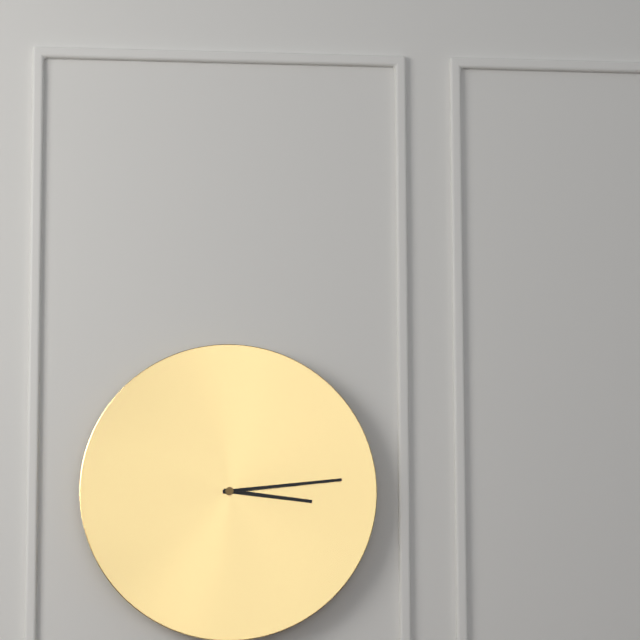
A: 3:14
